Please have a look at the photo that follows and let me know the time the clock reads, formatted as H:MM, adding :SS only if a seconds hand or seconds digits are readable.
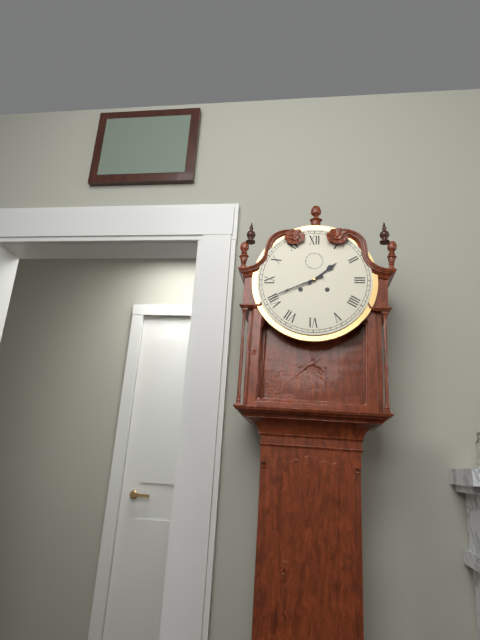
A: 1:41
